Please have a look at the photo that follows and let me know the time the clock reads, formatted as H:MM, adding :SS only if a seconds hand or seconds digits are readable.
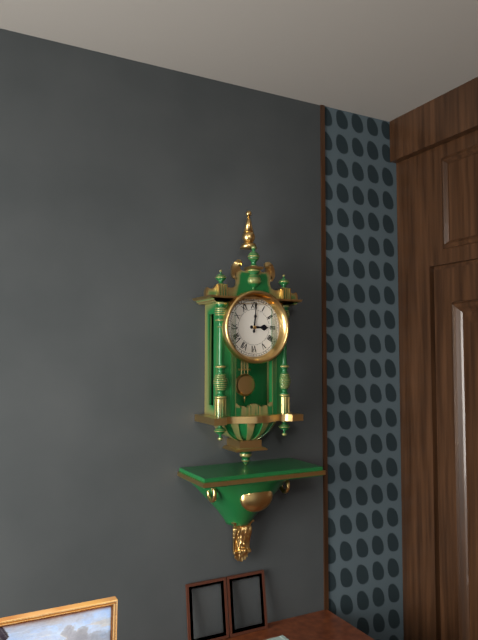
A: 3:01
